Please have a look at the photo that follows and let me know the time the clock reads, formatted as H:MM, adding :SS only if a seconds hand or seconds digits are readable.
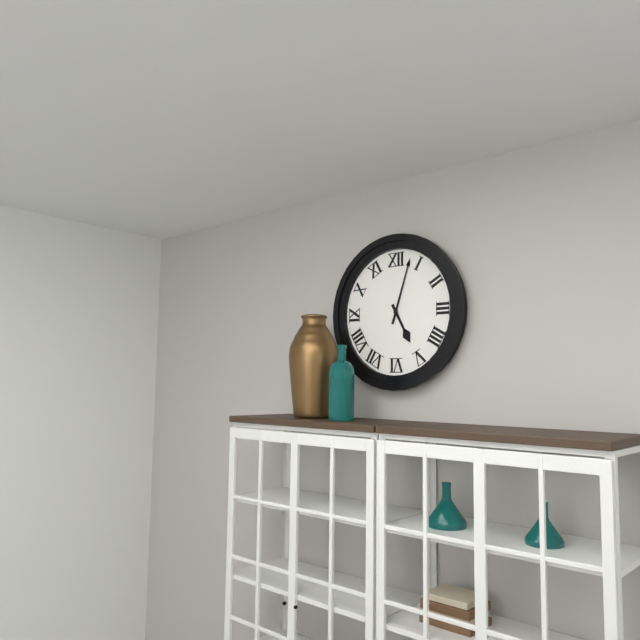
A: 5:03
